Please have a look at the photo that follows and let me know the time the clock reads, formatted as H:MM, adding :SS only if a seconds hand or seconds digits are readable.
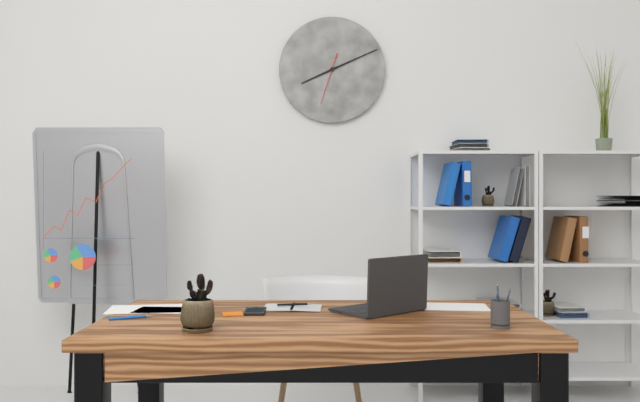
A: 8:11
